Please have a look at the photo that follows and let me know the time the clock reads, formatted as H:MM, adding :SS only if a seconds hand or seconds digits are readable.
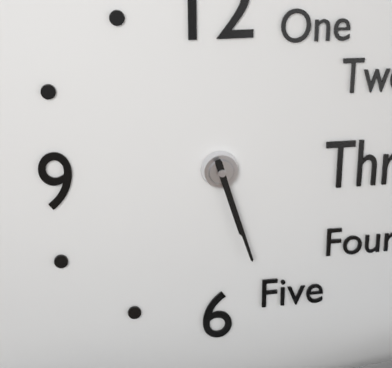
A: 5:27
